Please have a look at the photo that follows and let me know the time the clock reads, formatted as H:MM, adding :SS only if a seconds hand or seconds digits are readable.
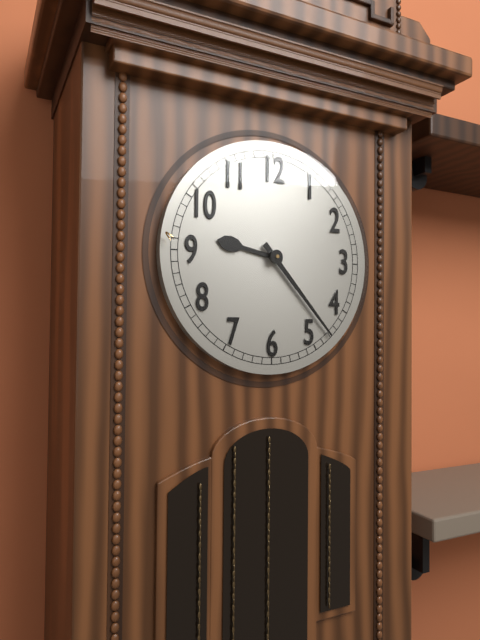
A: 9:23
